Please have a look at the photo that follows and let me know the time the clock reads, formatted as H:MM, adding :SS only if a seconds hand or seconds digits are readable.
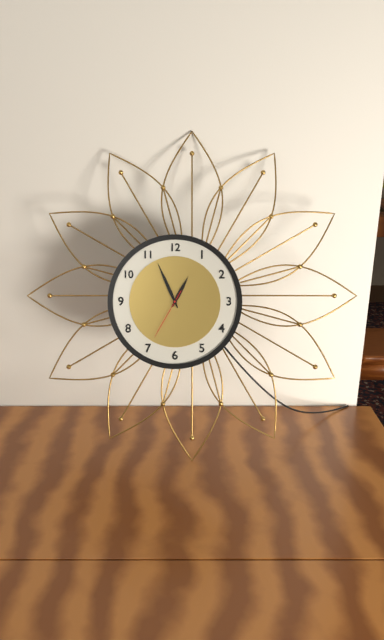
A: 12:56:35
